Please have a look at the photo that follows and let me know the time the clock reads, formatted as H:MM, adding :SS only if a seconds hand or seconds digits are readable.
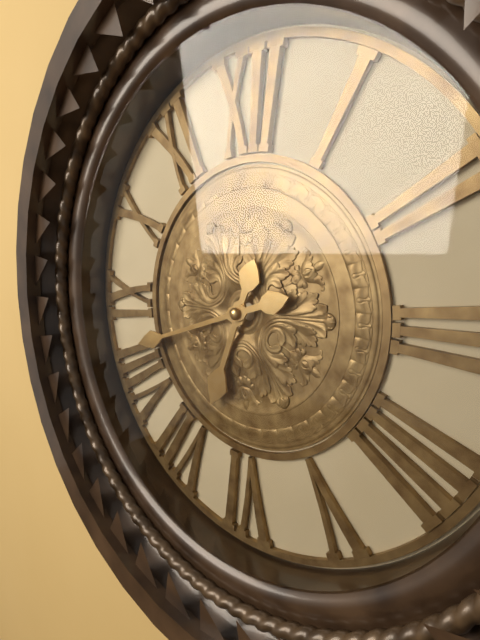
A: 6:42
